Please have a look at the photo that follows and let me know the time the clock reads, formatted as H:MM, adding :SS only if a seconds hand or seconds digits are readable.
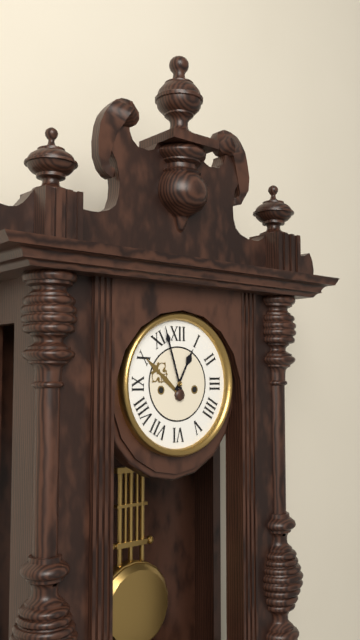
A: 12:57
